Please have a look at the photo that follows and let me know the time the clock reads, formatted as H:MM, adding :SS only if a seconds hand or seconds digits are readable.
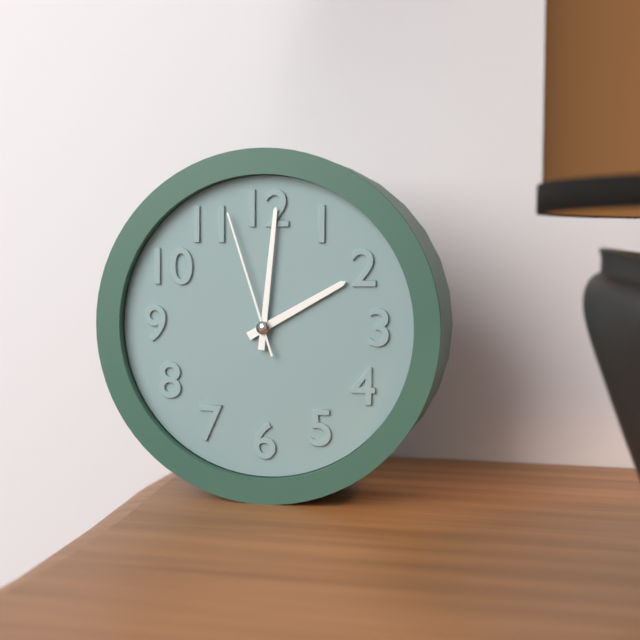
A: 2:01:57
